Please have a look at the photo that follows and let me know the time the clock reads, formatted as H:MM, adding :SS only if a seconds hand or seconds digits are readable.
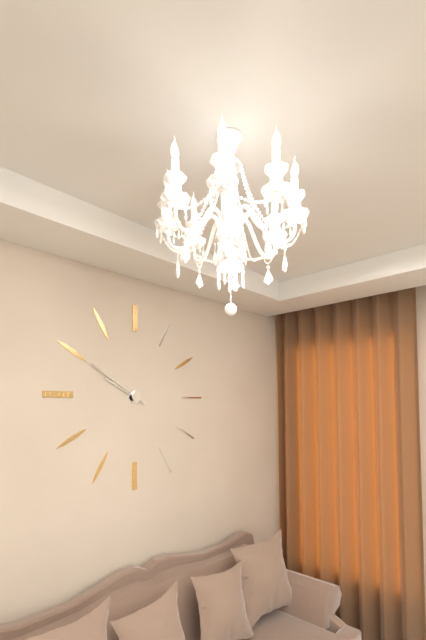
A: 9:50
